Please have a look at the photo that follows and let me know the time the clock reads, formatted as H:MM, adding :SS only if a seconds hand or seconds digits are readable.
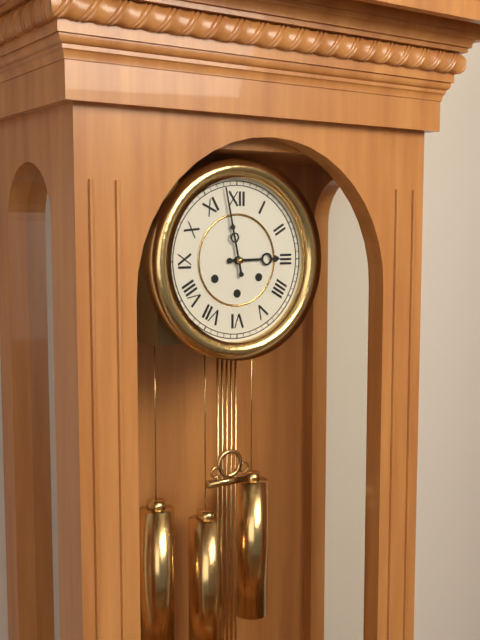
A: 2:58
